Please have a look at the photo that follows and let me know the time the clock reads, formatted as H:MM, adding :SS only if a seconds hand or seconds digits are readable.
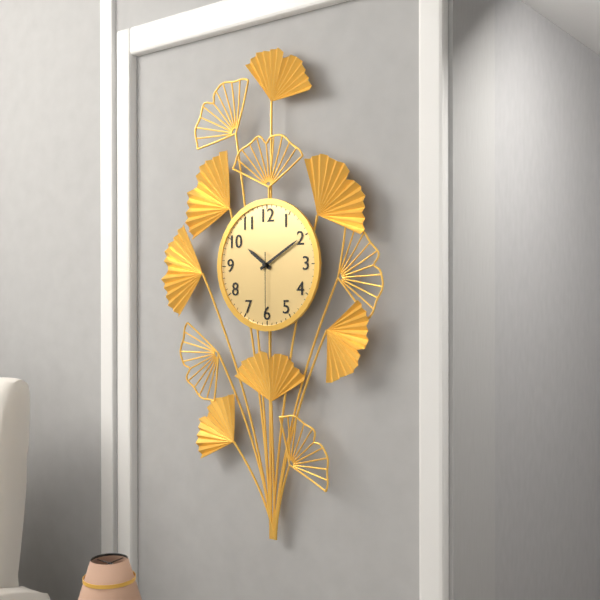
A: 10:10:30
